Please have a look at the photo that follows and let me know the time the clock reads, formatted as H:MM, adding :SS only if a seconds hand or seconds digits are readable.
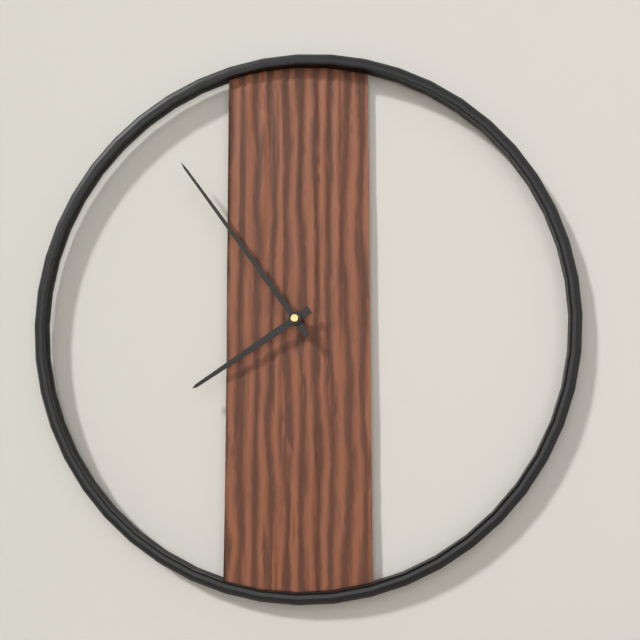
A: 7:54
